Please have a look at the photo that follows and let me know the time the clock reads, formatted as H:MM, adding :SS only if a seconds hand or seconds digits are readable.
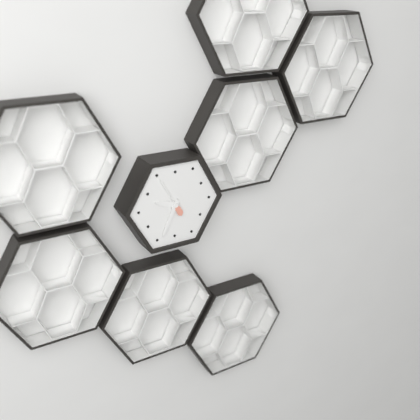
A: 9:34
